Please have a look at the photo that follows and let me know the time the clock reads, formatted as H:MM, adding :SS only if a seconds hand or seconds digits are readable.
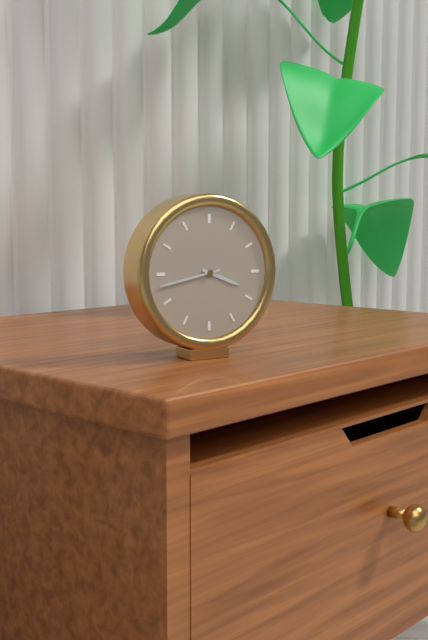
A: 3:43
